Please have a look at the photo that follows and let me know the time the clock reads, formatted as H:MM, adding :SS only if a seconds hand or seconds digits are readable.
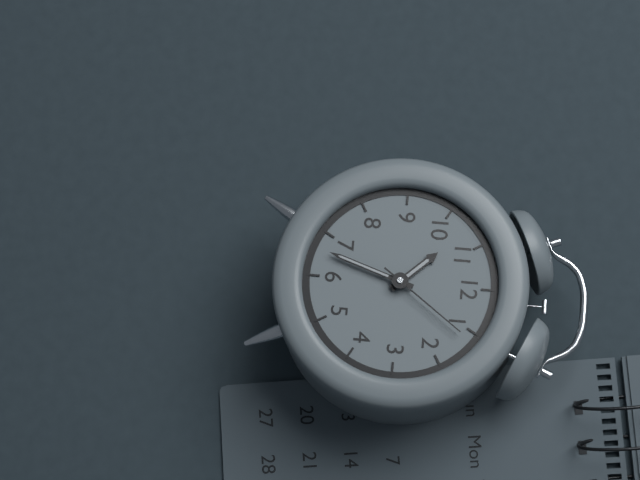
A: 10:33:06
